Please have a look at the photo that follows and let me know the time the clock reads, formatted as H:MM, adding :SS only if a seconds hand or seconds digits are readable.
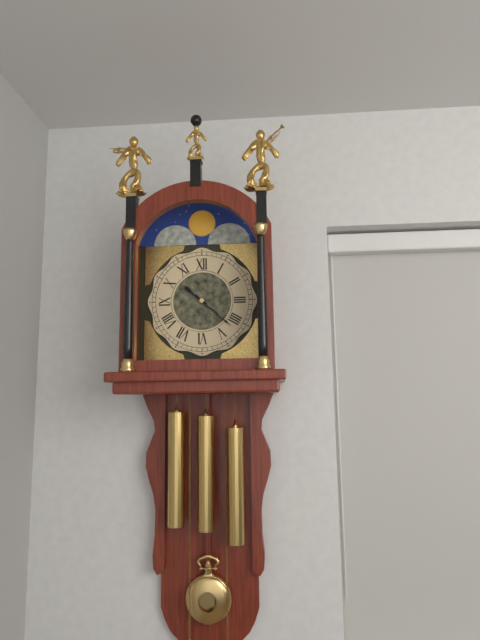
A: 10:22
